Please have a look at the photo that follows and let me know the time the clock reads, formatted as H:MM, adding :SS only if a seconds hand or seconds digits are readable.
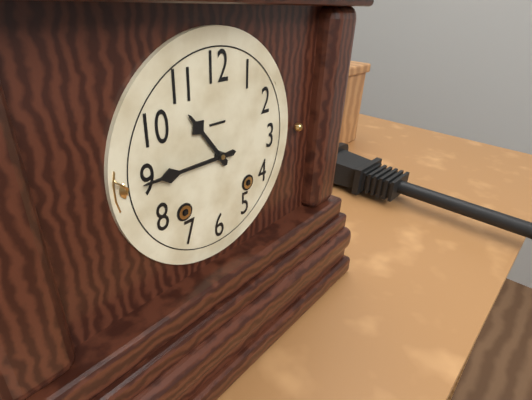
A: 10:45
